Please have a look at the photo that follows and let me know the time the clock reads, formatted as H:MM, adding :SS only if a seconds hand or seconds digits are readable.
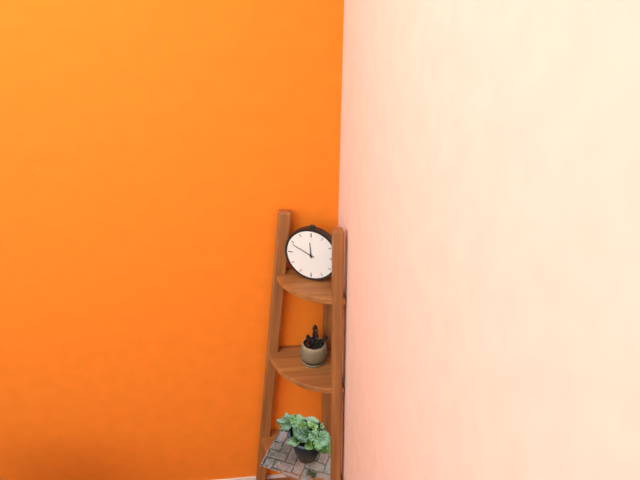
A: 11:49
